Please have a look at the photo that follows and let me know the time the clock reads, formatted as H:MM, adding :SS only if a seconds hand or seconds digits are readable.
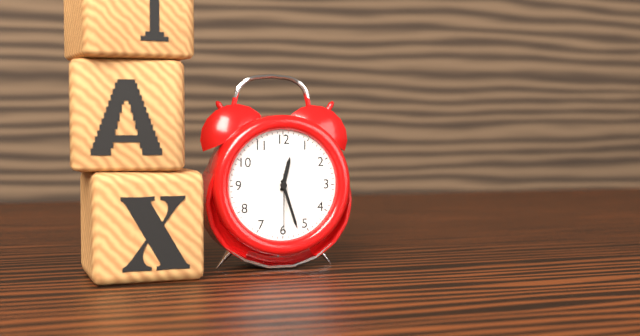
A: 12:27:30
